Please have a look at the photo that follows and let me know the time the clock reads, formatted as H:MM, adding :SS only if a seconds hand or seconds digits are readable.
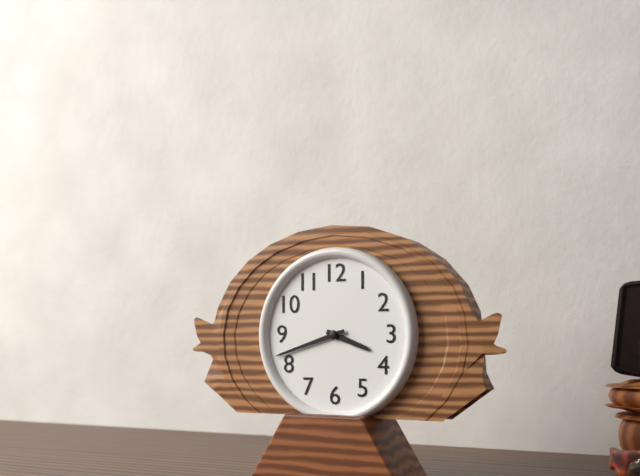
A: 3:42
